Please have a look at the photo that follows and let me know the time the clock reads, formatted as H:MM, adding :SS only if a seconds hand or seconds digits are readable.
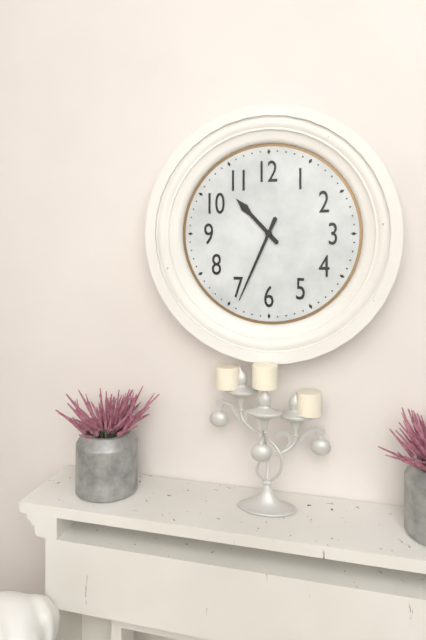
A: 10:34
